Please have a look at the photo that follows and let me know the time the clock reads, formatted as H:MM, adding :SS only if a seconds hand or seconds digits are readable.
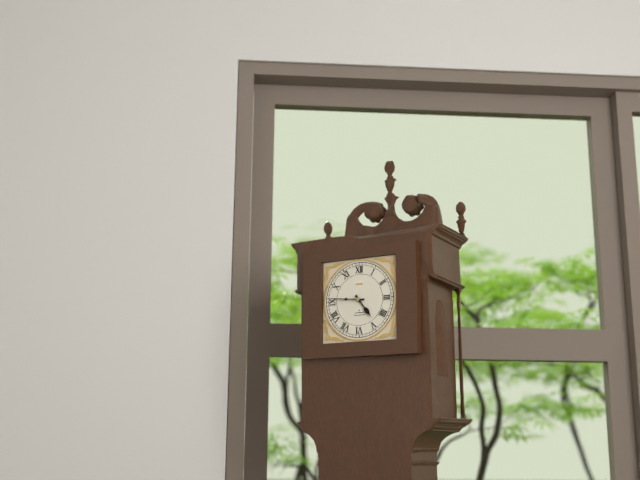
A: 4:46
